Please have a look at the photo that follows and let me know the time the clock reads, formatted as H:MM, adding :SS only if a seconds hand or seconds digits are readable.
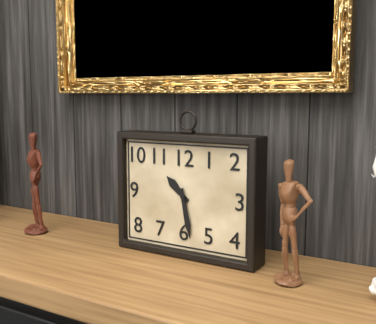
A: 10:28
